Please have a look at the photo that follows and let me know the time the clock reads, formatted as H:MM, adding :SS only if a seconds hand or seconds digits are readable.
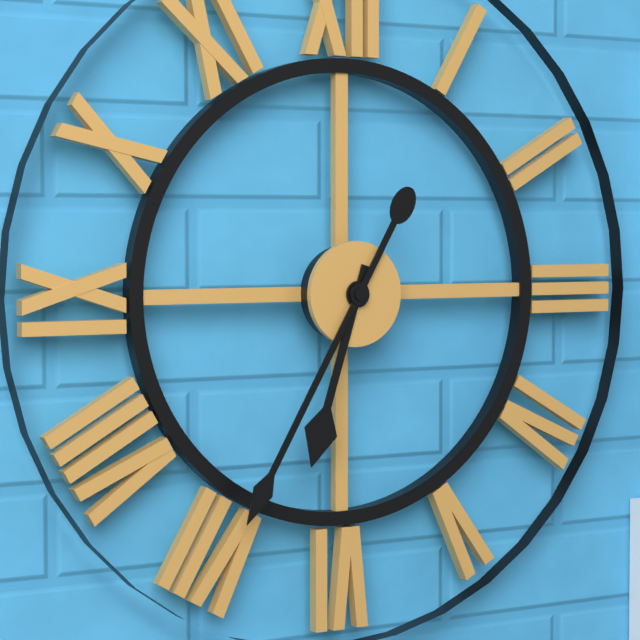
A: 6:35
